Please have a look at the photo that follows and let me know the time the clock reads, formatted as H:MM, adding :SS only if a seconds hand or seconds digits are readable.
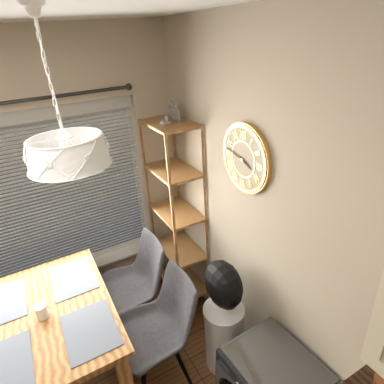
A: 3:47
